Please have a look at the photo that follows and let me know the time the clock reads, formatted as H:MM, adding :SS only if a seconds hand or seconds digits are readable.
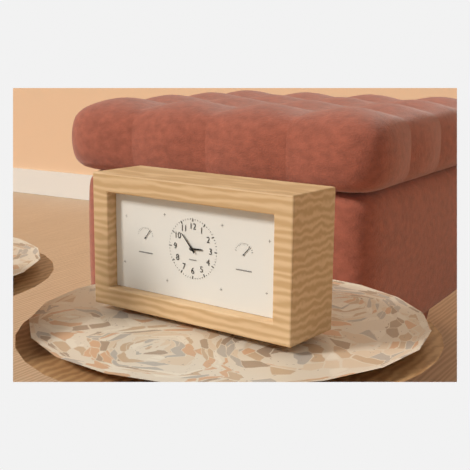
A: 2:53
